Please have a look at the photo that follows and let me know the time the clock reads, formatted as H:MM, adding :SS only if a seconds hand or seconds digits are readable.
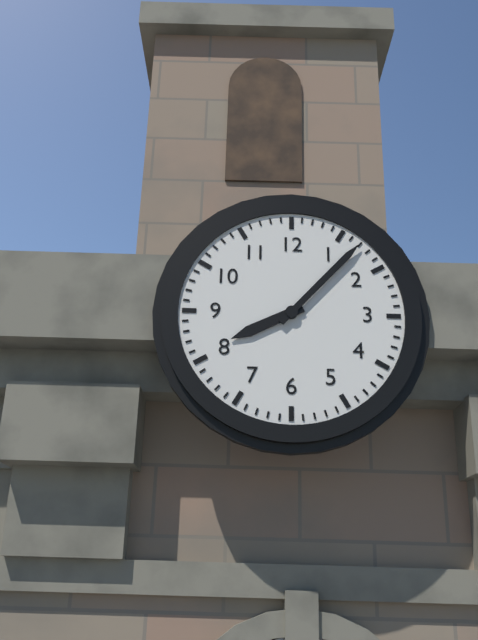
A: 8:07
